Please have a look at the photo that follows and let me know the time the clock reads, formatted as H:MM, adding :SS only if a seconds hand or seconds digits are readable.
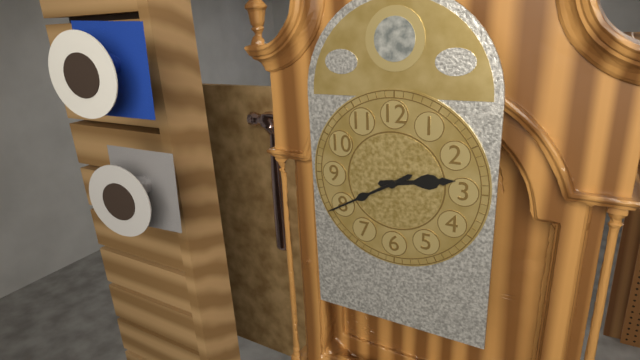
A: 2:40
